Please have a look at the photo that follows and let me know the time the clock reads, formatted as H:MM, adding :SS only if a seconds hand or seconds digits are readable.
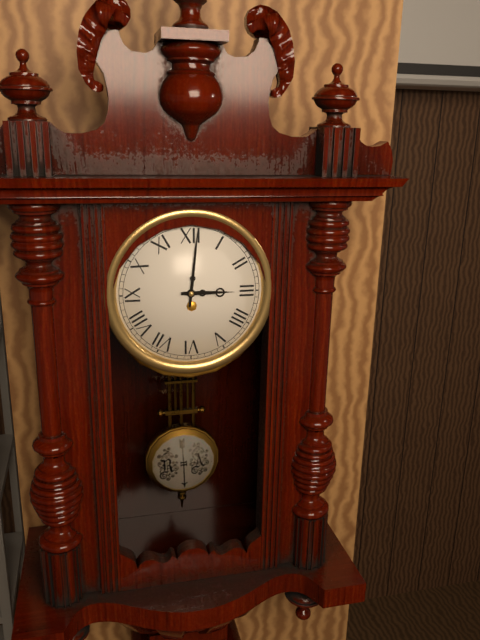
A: 3:01
